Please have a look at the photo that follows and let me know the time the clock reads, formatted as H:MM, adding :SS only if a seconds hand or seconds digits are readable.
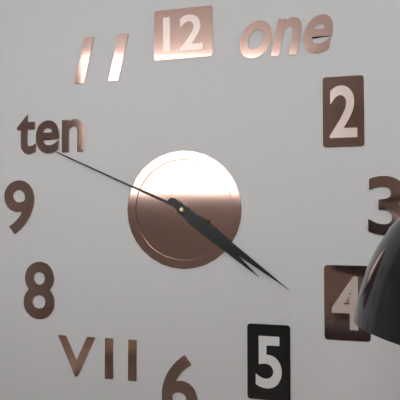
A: 4:21:49
